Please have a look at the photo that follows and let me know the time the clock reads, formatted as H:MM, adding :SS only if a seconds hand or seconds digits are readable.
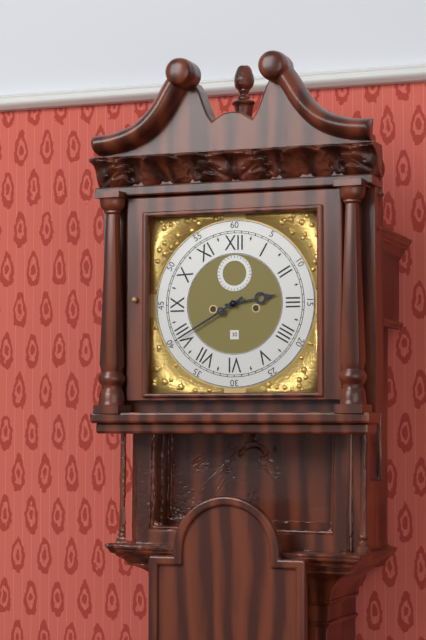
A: 2:40
